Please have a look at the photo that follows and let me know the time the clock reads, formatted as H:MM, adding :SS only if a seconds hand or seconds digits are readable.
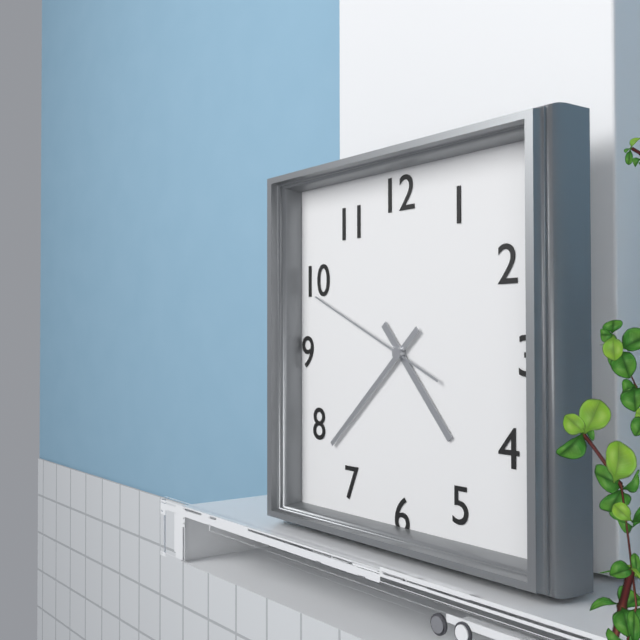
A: 4:38:49
